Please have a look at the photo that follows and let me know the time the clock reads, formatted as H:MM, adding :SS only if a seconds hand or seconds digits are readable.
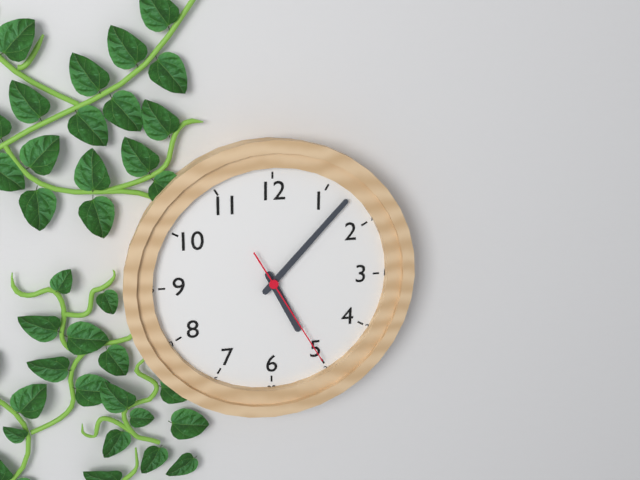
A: 5:07:25
